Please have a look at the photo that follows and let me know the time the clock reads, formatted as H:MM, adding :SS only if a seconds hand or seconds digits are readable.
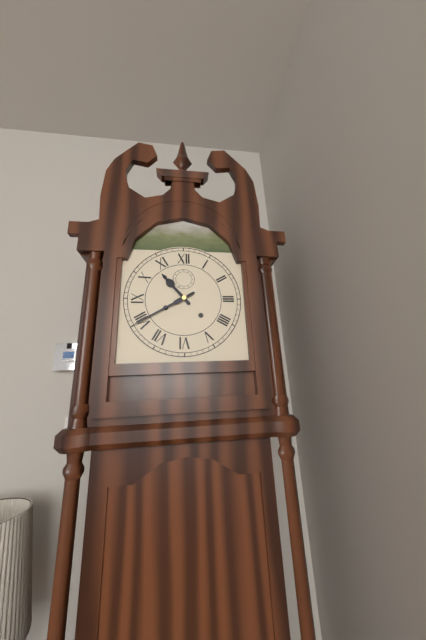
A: 10:40
